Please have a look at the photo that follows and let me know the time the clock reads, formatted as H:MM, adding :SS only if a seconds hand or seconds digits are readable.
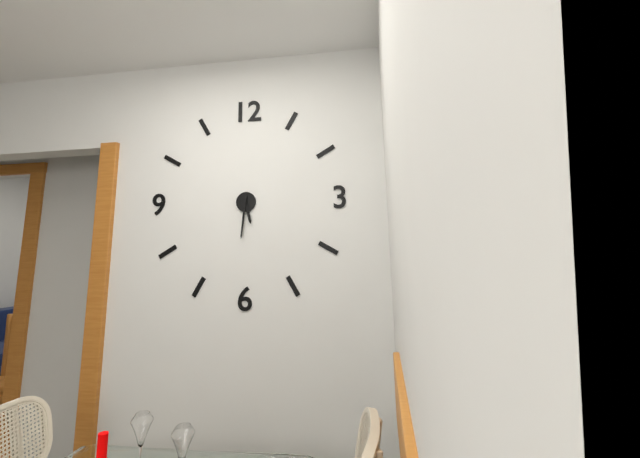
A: 5:31
